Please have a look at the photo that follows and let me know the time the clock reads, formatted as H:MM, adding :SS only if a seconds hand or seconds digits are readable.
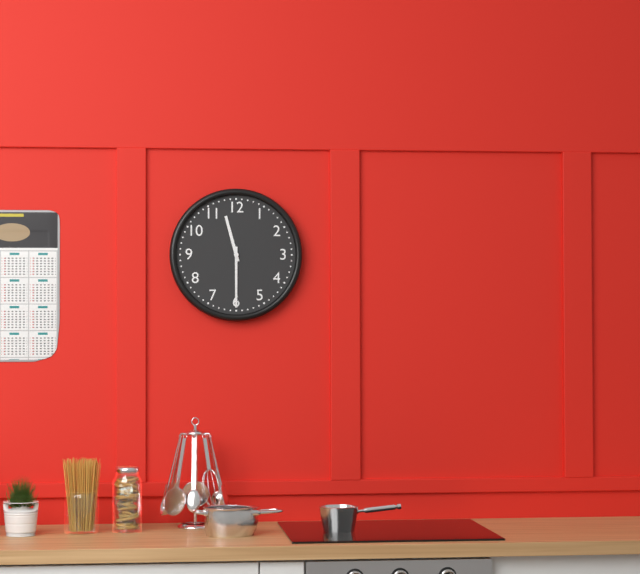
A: 11:30
